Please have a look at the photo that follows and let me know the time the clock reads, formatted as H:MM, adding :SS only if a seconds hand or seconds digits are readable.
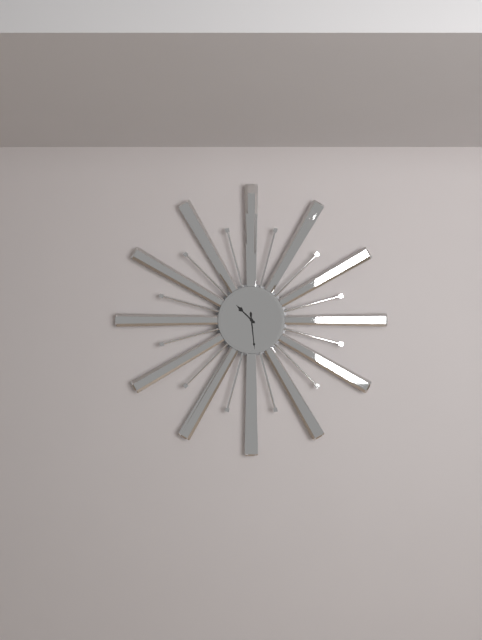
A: 10:29
